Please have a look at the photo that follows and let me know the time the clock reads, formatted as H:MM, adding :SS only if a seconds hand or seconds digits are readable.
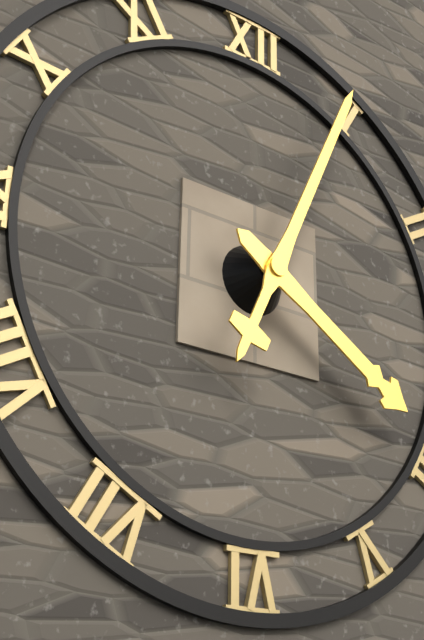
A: 4:04
